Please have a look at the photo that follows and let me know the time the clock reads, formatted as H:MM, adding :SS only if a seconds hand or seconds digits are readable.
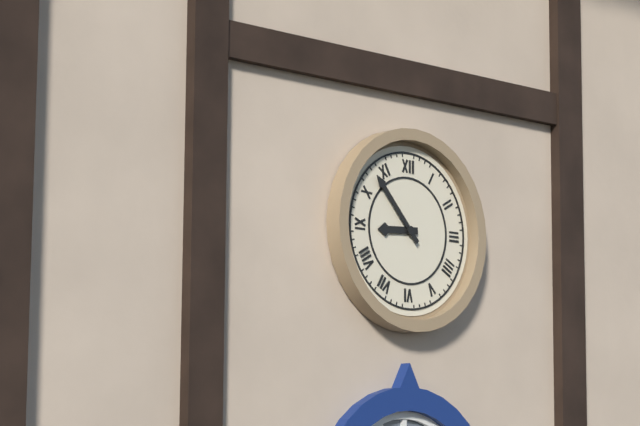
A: 8:53
